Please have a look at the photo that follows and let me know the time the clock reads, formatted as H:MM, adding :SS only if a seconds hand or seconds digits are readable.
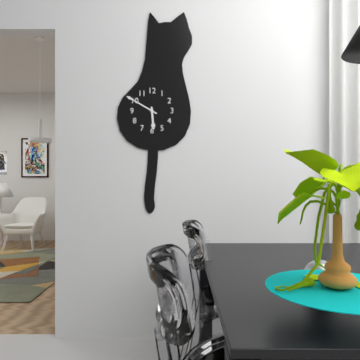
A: 5:50
